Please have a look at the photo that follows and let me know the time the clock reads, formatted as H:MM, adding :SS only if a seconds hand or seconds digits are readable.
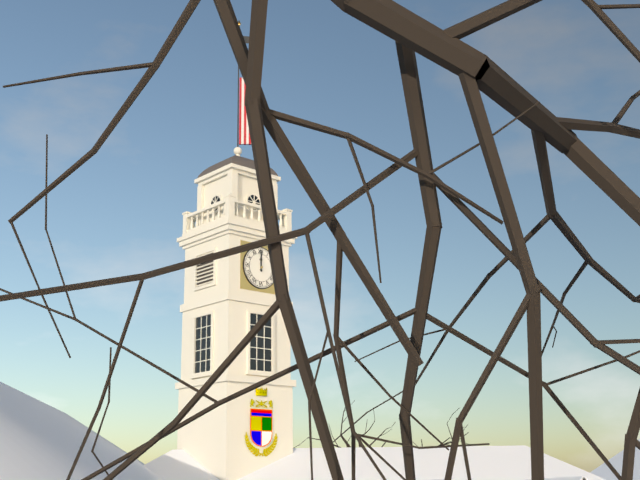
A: 12:00
